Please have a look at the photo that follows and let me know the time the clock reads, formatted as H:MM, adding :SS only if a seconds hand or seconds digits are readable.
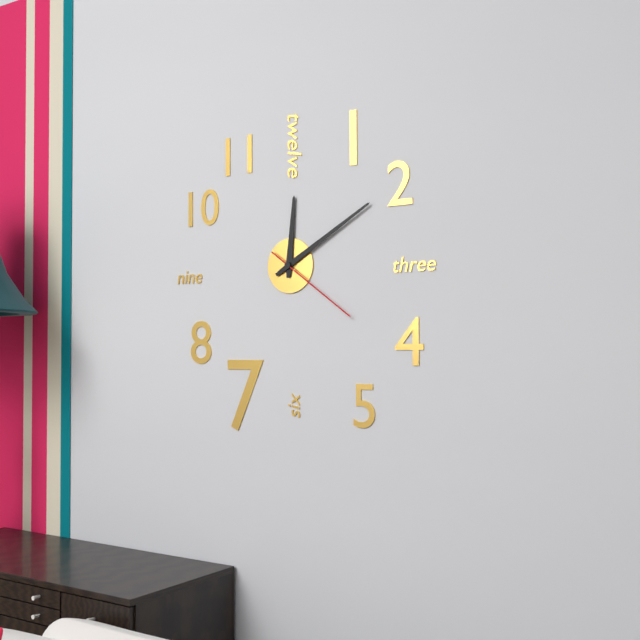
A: 12:10:21
